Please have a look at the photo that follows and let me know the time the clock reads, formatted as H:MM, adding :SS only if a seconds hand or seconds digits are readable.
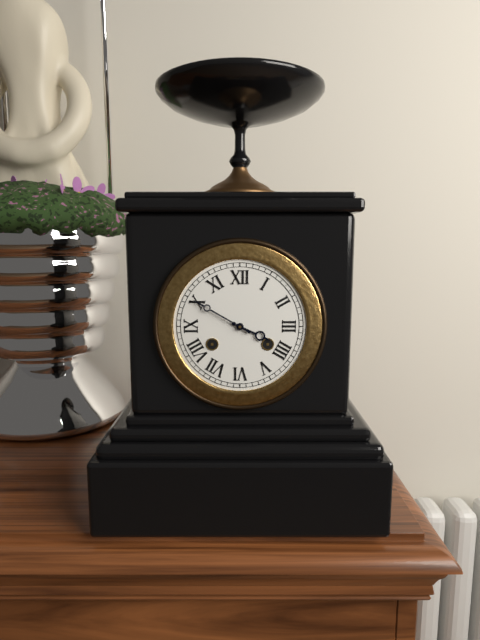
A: 3:50
